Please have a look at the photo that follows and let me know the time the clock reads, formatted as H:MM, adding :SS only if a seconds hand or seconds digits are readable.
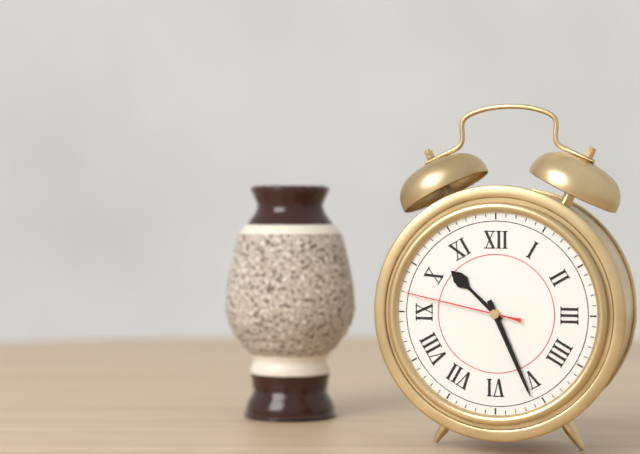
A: 10:26:47
